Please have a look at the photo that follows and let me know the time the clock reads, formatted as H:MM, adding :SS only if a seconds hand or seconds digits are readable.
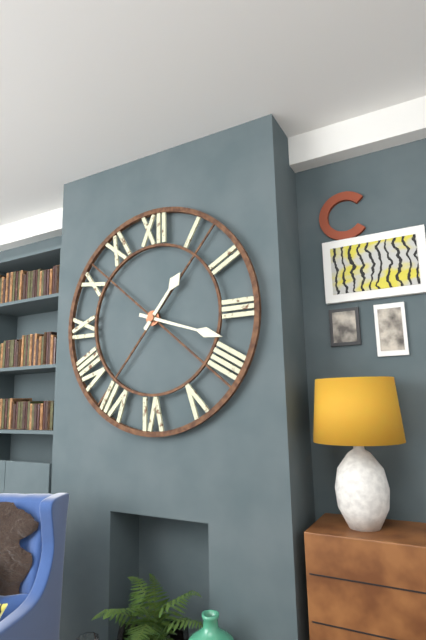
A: 1:18
